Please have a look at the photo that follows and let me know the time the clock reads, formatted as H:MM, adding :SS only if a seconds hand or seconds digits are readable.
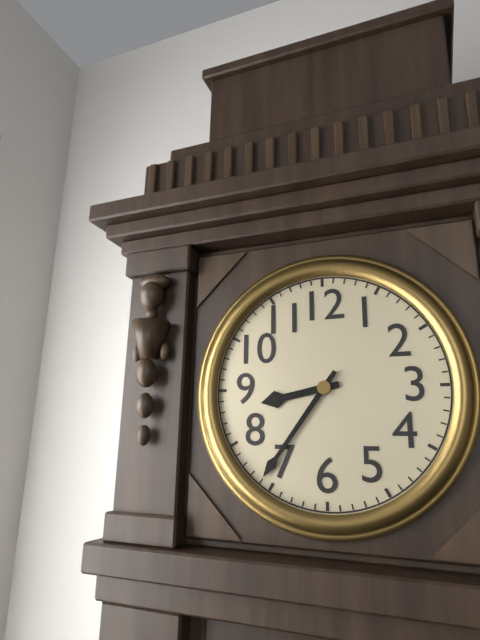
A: 8:36
